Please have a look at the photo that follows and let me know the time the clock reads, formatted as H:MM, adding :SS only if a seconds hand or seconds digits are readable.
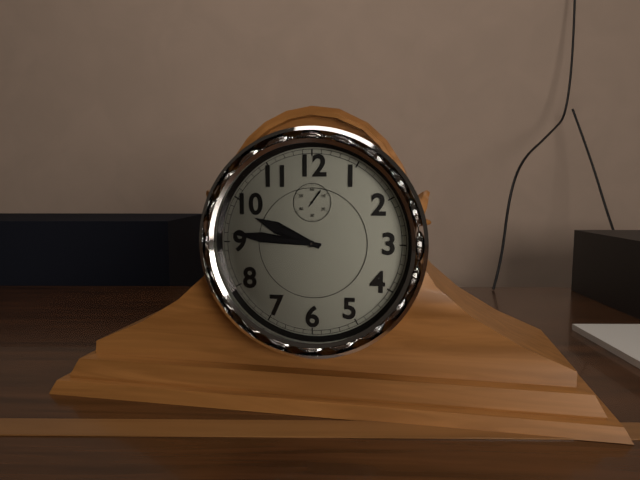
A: 9:46
